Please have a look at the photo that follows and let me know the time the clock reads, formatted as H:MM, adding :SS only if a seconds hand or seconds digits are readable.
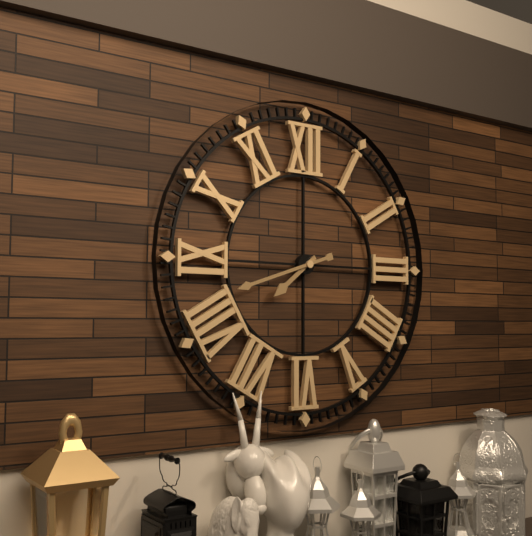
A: 7:42
